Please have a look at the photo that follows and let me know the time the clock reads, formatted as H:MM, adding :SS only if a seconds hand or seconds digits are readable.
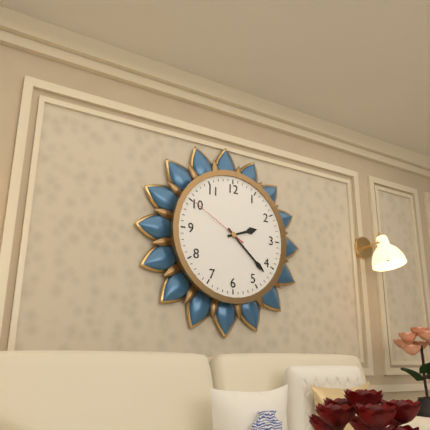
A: 2:22:50
